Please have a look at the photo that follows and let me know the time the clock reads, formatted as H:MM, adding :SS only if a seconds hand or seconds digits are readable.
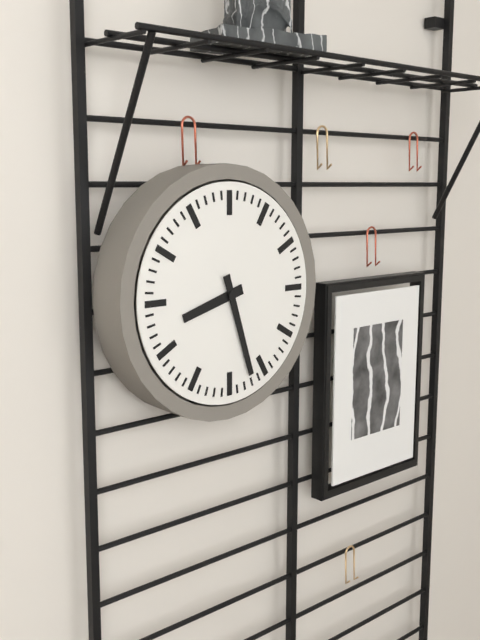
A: 8:27
